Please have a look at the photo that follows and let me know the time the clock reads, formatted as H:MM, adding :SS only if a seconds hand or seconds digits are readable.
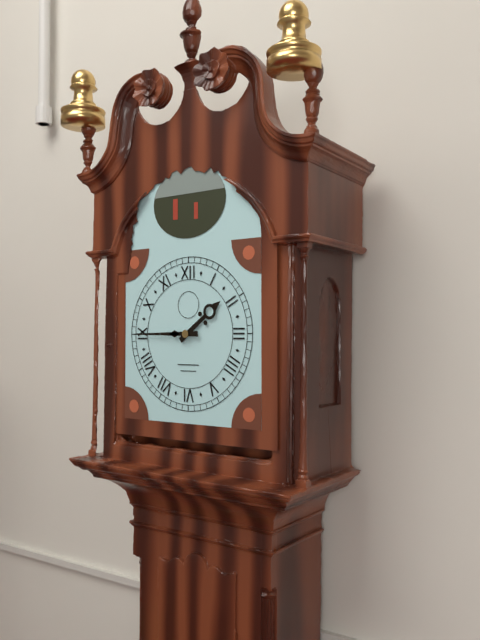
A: 1:45
